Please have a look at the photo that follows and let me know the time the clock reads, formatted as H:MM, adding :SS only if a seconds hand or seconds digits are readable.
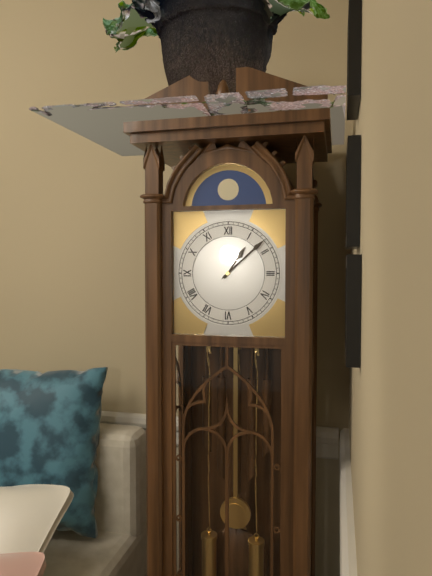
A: 1:08
